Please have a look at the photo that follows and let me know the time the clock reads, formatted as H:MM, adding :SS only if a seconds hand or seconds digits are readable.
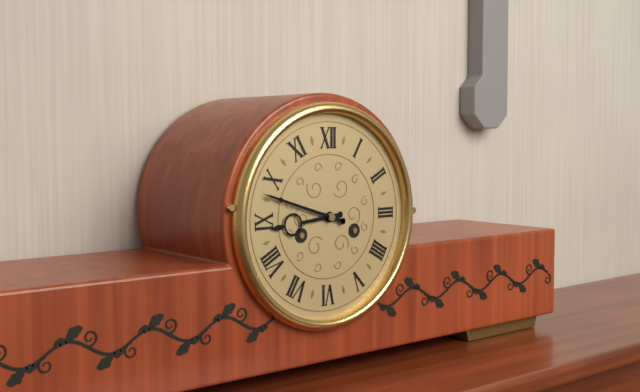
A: 8:48
